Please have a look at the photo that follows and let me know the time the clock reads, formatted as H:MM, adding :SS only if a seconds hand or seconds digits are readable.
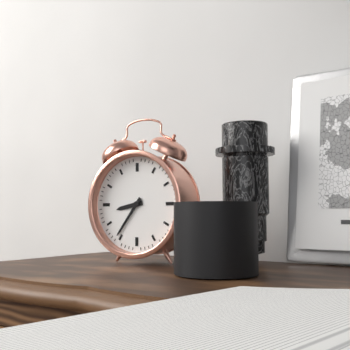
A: 8:36
